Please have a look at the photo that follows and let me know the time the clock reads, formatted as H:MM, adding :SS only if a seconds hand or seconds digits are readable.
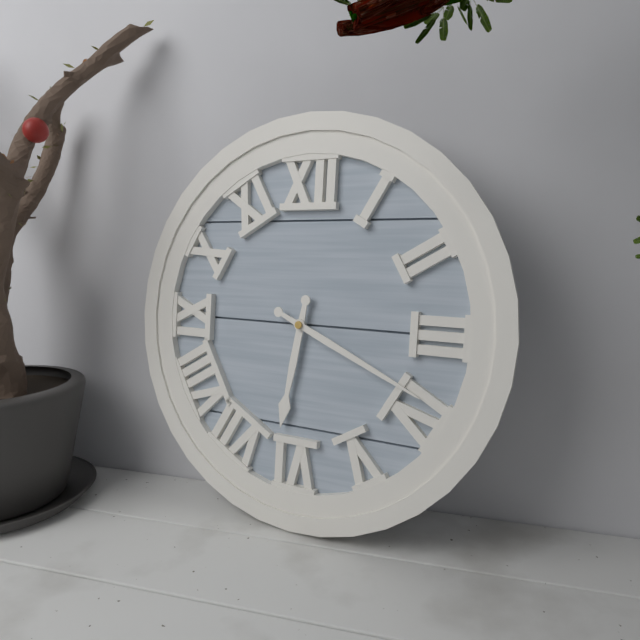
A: 6:19
